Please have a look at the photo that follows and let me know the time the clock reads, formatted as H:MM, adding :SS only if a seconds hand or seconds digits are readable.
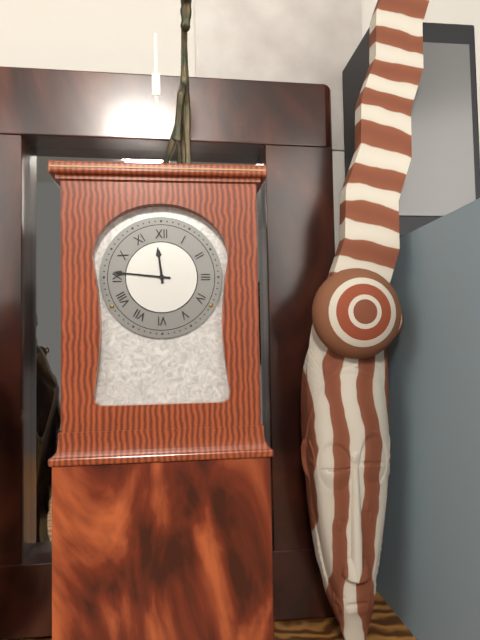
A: 11:46
